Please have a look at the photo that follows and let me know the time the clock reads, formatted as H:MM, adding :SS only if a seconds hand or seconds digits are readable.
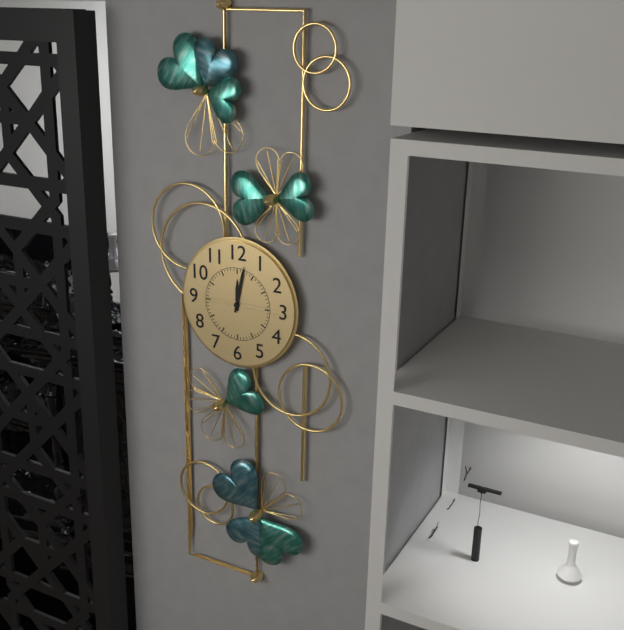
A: 12:02
